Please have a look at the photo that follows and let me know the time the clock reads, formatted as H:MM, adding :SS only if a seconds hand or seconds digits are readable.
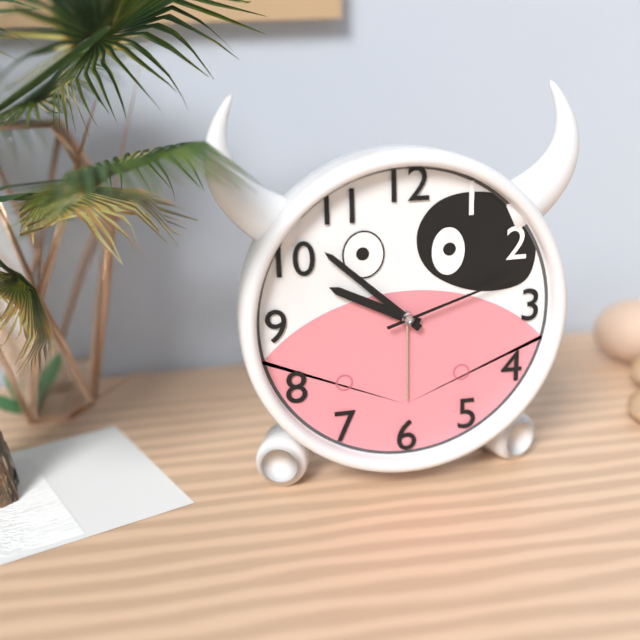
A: 9:52:12
